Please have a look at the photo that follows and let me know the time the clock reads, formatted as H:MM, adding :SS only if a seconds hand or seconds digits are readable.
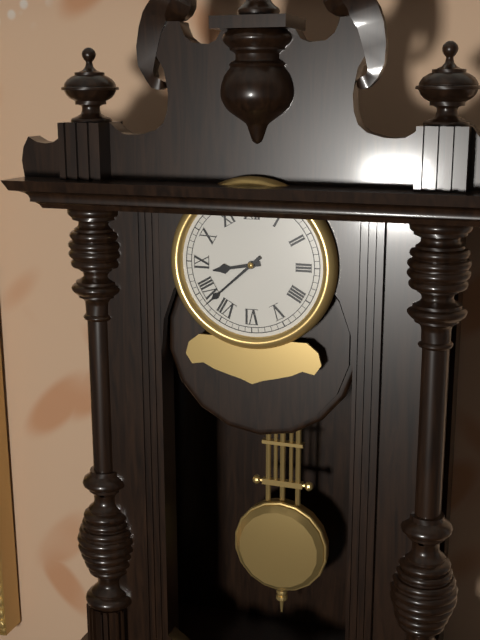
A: 8:38
